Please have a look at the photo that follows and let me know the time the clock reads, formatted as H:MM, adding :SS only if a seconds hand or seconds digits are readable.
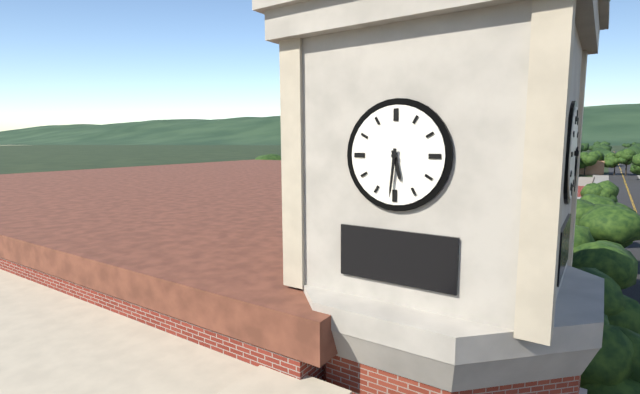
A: 5:31
